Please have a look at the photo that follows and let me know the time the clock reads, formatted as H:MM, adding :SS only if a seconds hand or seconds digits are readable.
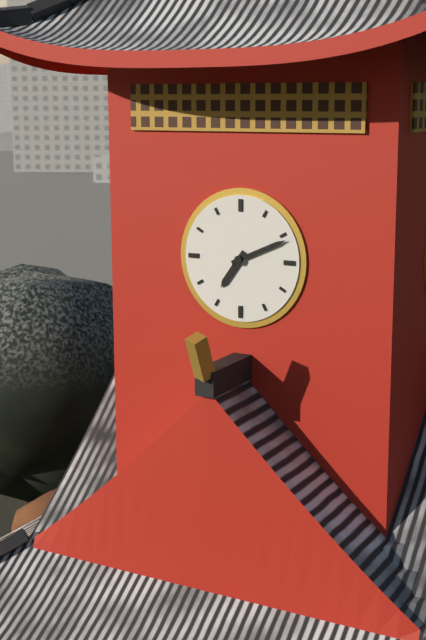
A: 7:11
